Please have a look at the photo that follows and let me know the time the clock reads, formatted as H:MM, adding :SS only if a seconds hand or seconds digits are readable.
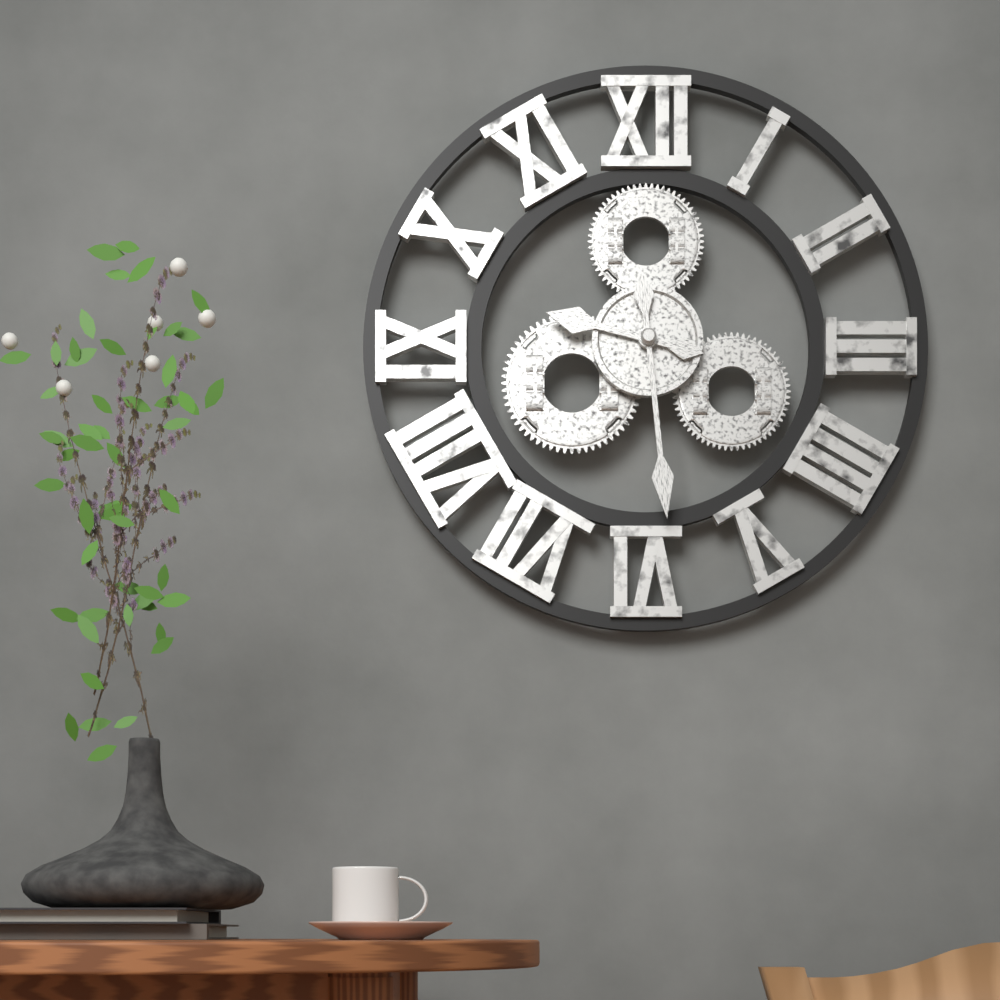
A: 9:29
